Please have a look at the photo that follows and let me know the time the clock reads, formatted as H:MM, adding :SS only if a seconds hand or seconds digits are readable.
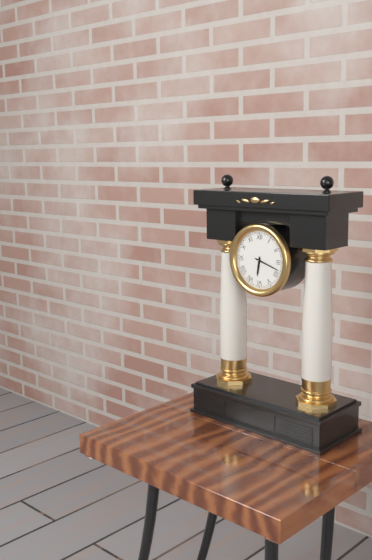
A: 6:18
